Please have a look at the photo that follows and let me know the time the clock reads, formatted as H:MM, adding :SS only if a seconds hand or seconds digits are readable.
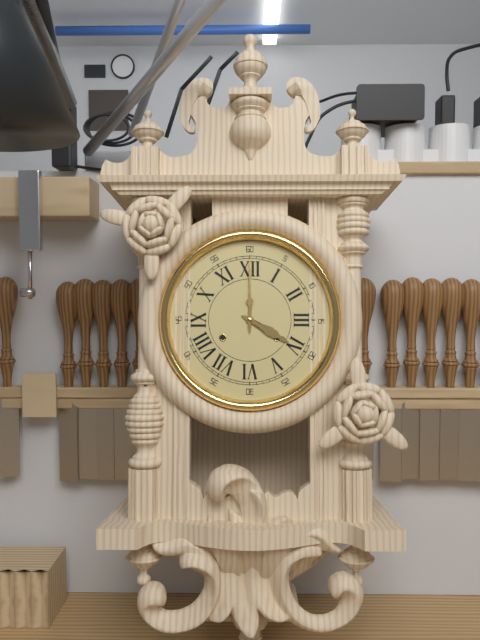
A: 4:00
